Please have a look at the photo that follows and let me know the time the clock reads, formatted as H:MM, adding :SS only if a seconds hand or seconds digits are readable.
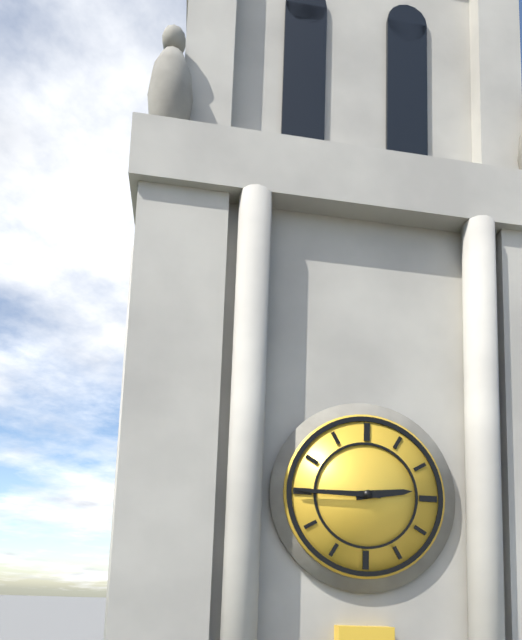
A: 2:45
